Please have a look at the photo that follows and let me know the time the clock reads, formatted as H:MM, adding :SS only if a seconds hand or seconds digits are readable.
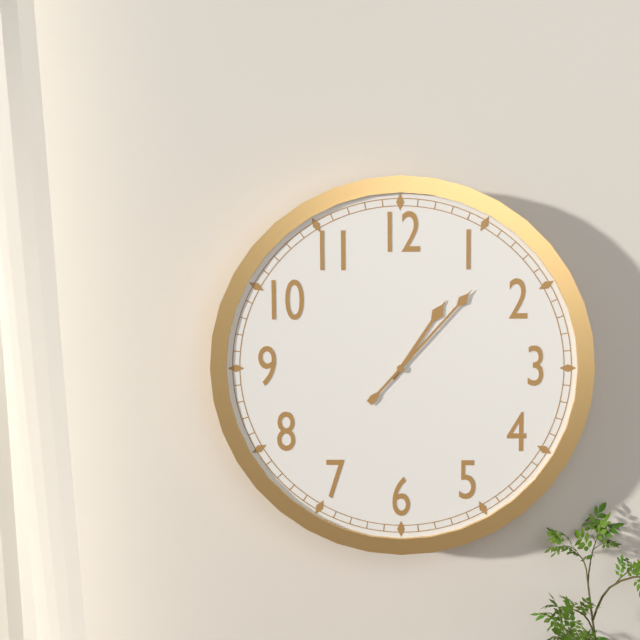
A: 1:07
